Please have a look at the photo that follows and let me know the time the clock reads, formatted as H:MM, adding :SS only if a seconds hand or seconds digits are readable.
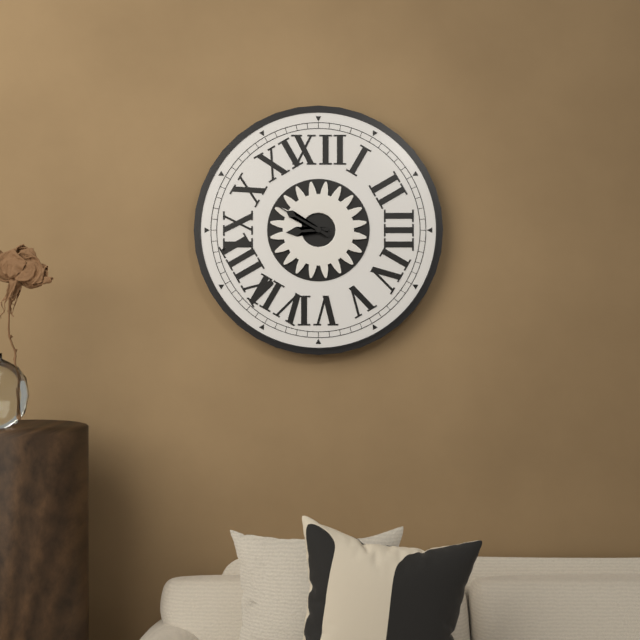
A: 8:50
